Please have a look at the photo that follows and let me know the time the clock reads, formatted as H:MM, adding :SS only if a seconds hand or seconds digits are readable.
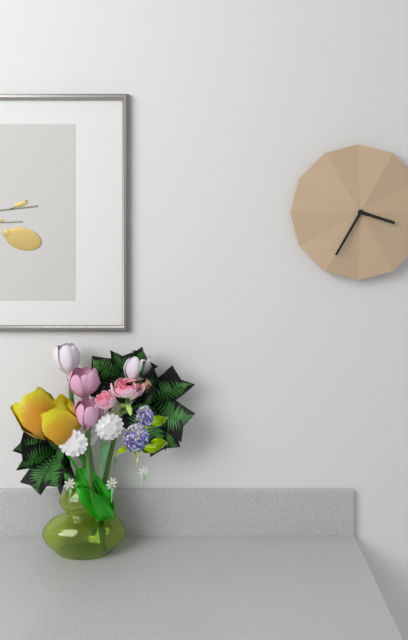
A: 3:35
